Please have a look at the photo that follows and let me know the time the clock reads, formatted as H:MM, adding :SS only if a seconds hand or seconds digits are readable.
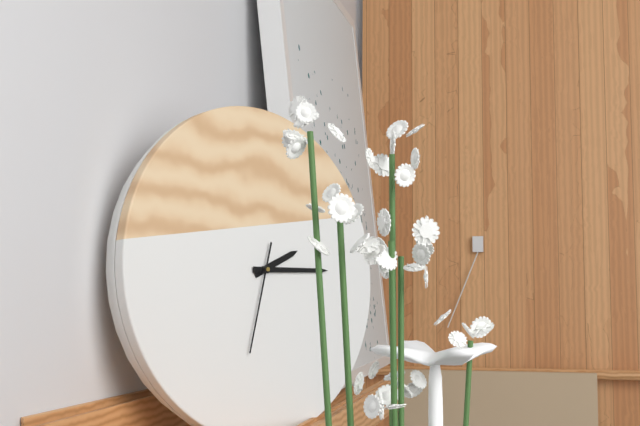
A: 2:15:33
